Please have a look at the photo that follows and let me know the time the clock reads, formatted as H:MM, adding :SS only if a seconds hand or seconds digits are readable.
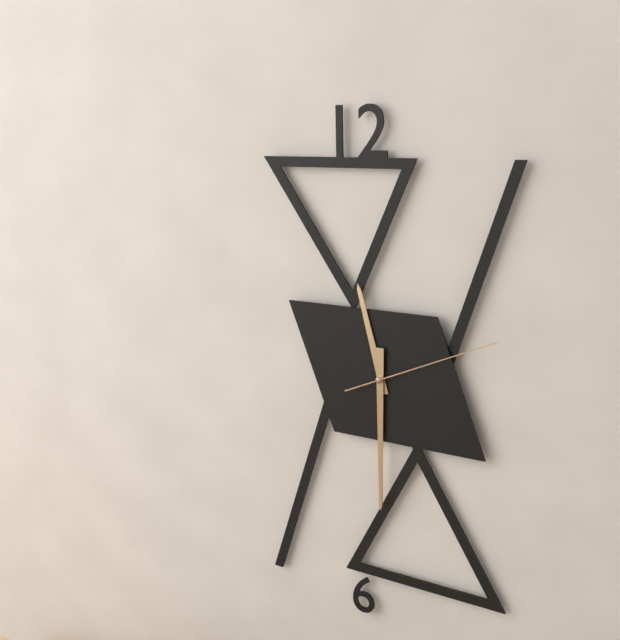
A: 11:30:11
